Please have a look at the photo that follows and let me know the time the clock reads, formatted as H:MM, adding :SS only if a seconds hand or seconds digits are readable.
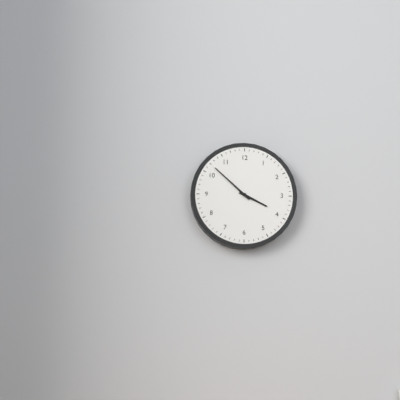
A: 3:52
